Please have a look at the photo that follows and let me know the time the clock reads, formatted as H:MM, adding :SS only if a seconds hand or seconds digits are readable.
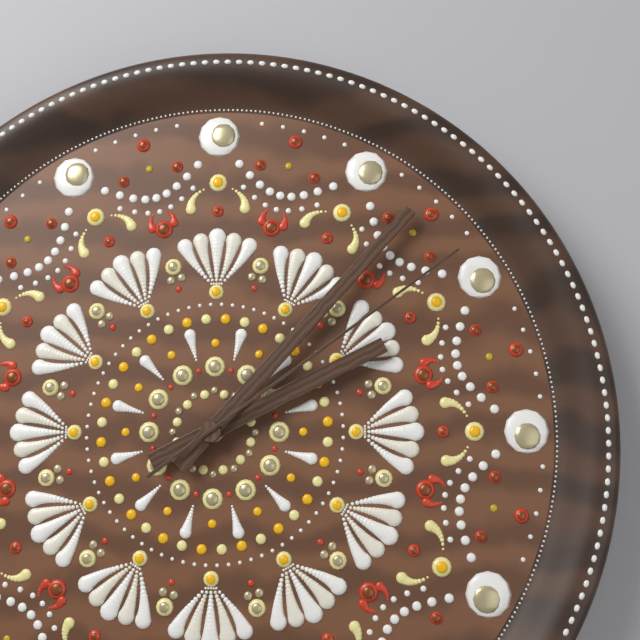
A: 2:07:09
